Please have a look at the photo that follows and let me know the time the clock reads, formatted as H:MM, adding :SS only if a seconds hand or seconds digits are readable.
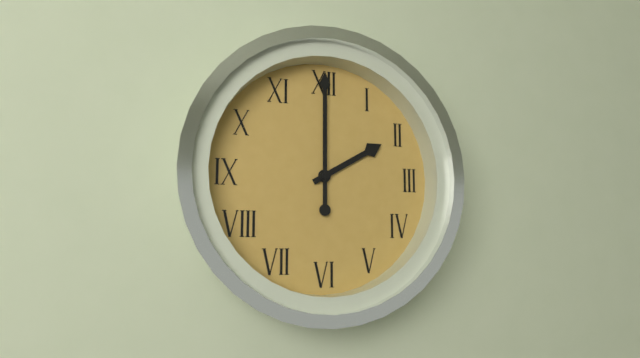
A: 2:00
